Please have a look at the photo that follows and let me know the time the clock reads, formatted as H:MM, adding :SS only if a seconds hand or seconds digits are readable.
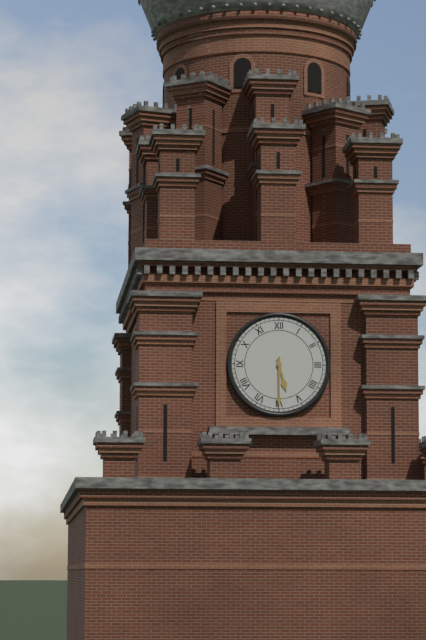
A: 5:30
